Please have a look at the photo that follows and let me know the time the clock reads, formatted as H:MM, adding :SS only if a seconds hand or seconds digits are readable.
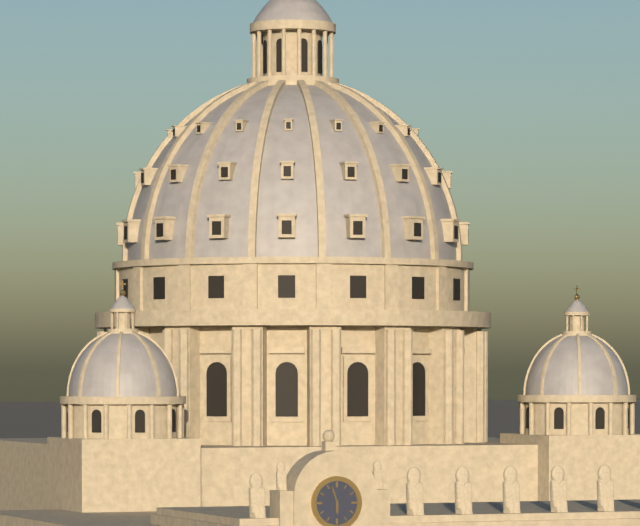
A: 5:57
